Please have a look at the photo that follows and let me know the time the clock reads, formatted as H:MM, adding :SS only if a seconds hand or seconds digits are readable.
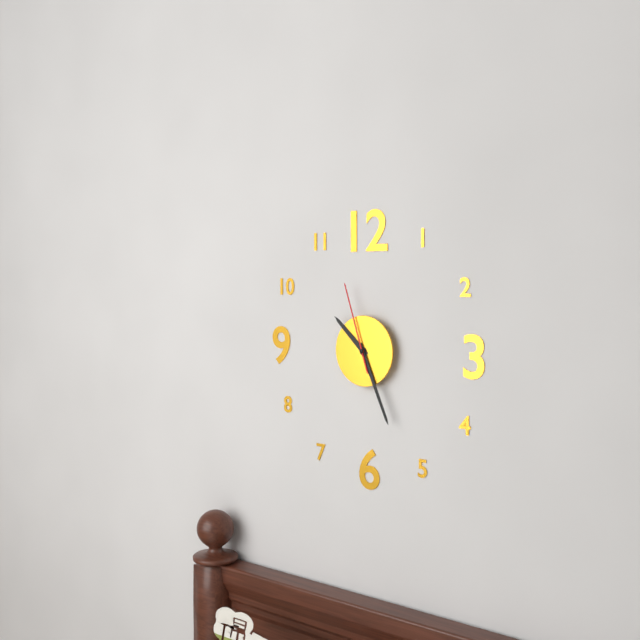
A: 10:26:57
